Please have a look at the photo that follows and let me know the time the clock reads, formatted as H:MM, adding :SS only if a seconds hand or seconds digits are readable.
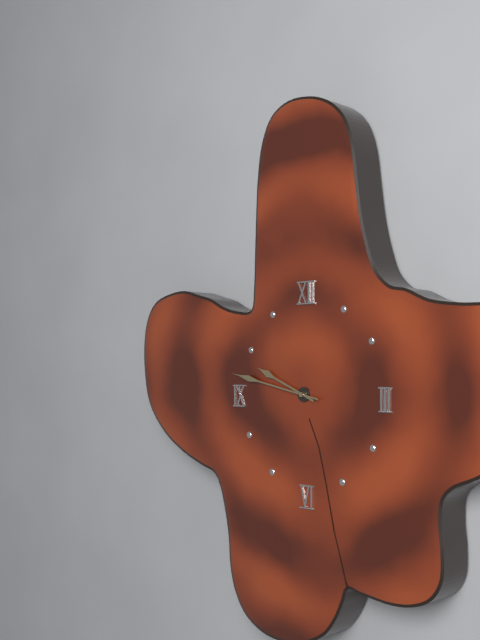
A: 9:47
